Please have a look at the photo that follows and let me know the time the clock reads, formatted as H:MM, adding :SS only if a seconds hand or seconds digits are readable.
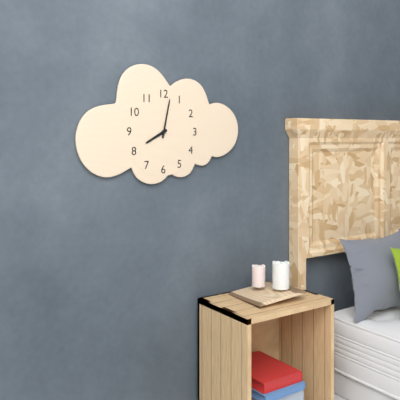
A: 8:02
